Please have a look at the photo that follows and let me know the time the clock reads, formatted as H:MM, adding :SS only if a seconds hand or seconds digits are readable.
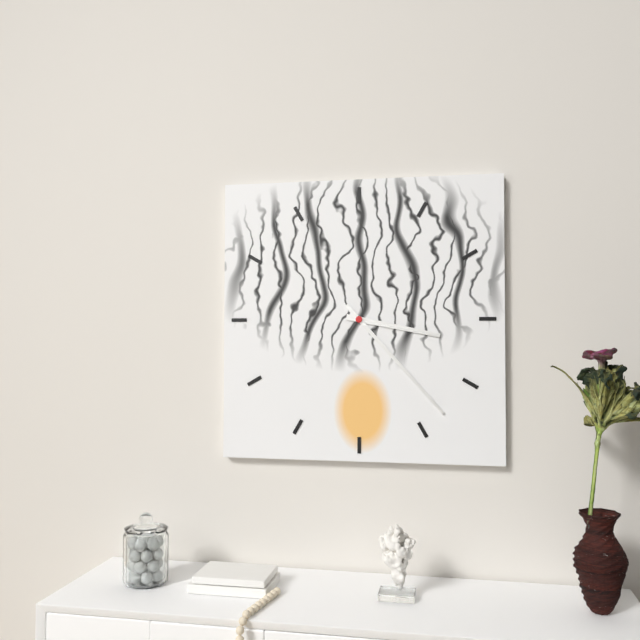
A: 3:23
